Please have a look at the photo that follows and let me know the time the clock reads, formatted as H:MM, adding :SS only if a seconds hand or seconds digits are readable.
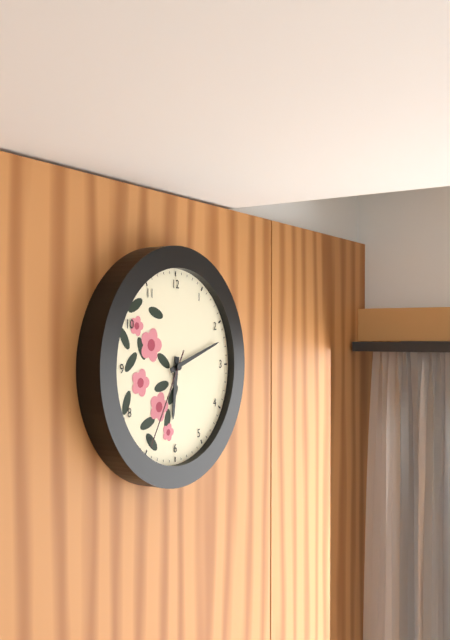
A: 6:12:35
